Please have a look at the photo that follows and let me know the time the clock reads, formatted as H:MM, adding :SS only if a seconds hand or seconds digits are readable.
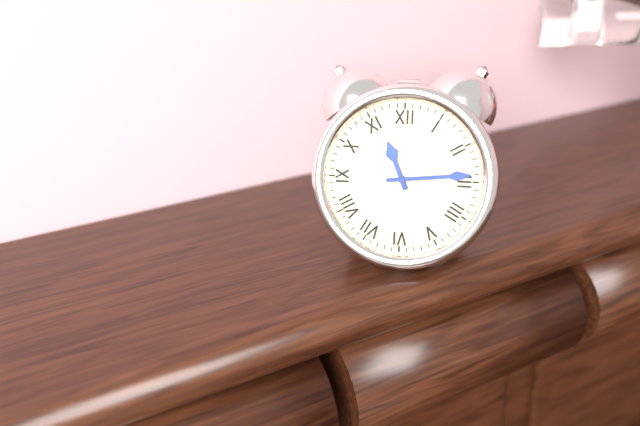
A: 11:14
